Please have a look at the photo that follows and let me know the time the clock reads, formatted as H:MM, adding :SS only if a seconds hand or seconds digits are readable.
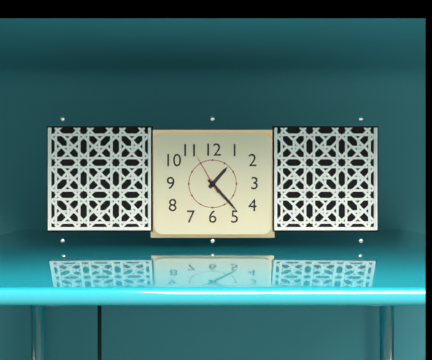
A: 1:23
